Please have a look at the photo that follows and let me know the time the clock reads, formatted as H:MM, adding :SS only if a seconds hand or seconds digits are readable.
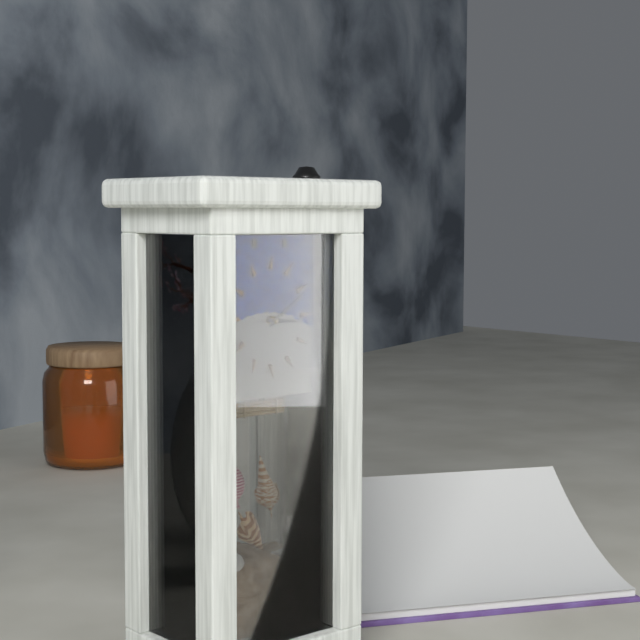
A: 3:09
